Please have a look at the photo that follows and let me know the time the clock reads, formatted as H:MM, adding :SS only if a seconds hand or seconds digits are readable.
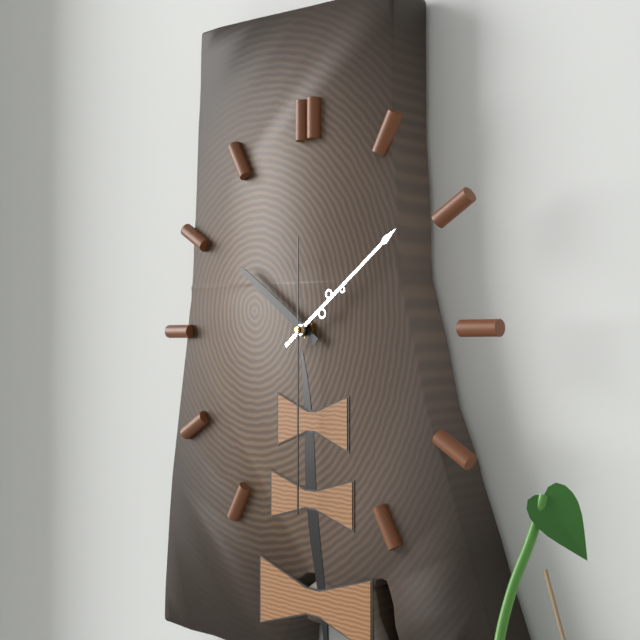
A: 10:09:30
